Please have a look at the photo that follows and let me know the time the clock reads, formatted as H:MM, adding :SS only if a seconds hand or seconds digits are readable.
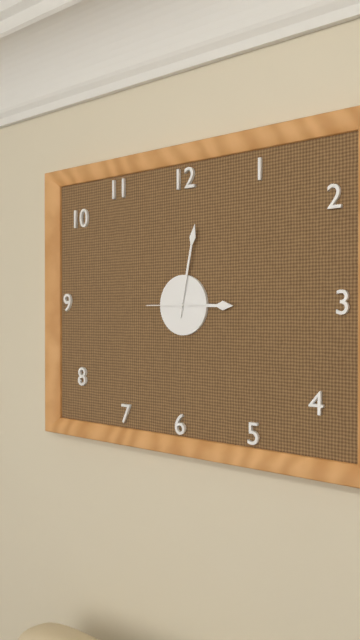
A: 3:02
